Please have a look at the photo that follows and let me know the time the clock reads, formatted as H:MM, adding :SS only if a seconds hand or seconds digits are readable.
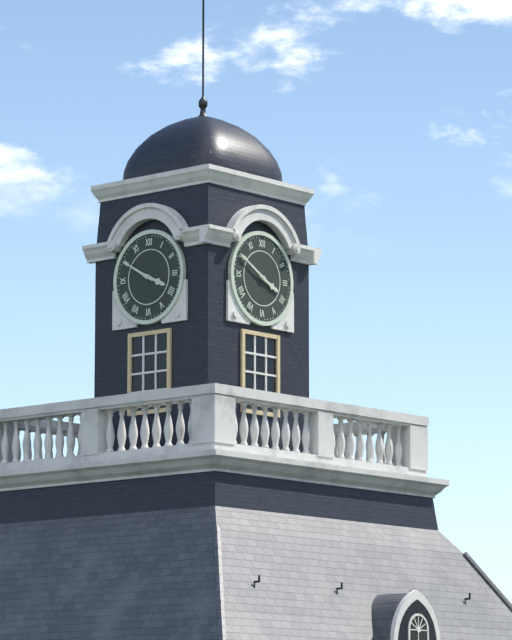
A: 3:50
